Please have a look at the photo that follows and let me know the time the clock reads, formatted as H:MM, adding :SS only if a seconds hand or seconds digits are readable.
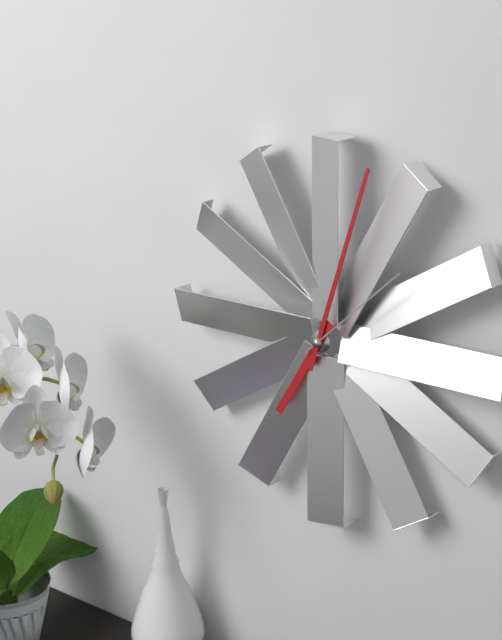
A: 7:03:08
